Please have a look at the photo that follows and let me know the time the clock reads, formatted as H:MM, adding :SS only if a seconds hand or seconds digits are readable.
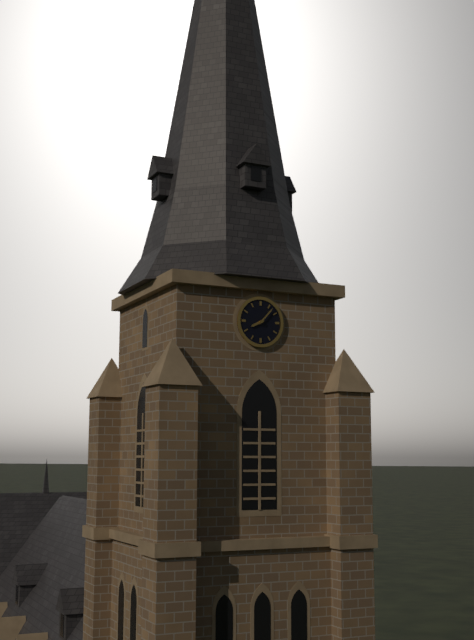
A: 8:07
